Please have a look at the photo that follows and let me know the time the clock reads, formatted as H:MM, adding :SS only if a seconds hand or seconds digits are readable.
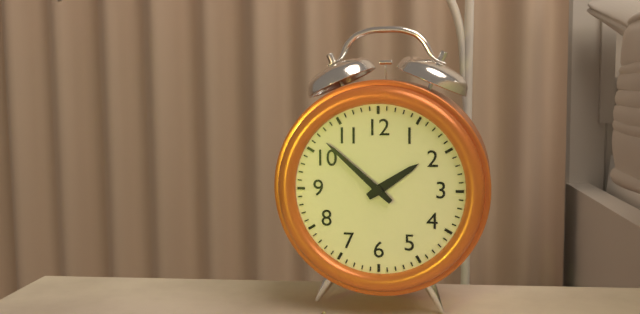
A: 1:52
